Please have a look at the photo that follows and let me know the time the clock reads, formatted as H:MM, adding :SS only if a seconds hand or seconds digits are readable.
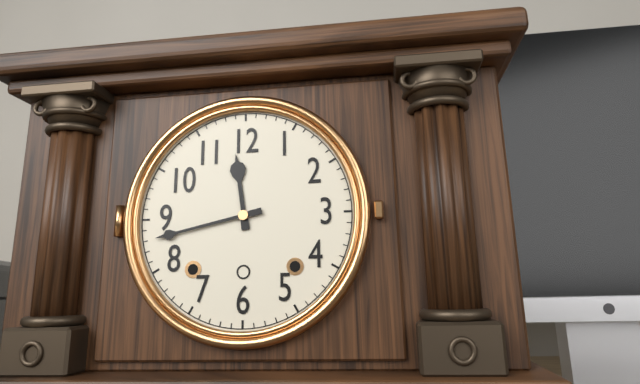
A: 11:43
